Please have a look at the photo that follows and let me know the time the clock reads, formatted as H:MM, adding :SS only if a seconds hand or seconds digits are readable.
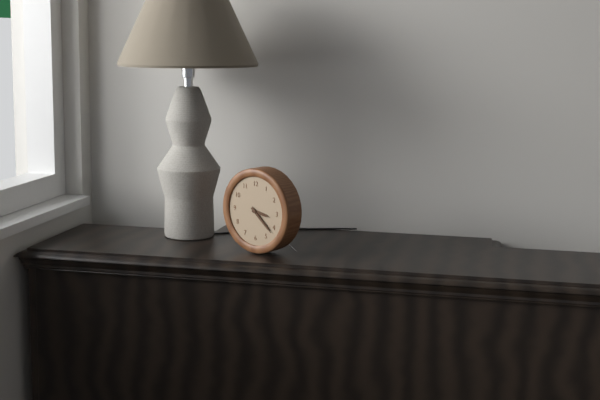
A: 3:22
